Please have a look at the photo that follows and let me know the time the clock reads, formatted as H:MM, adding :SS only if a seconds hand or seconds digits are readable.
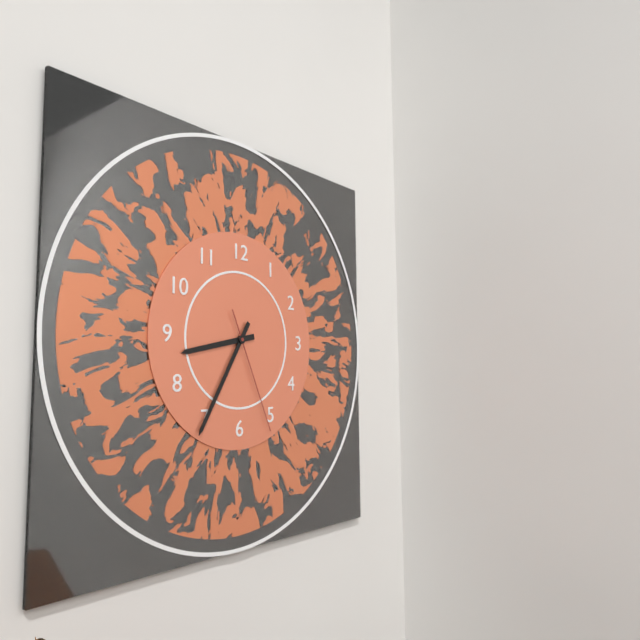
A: 8:35:26
